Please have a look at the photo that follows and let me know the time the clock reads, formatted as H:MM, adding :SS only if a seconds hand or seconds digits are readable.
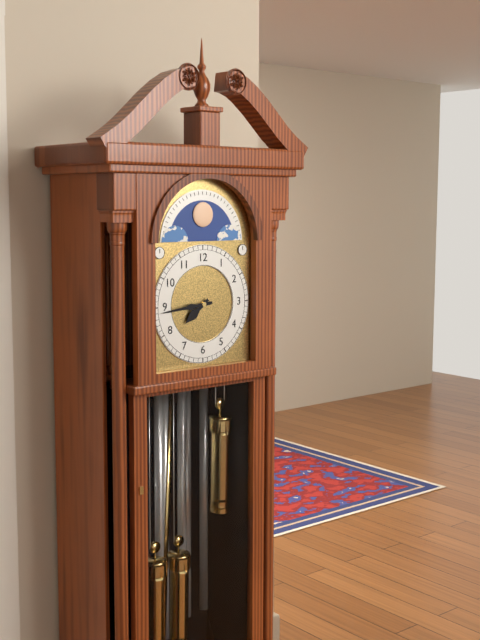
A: 7:44
